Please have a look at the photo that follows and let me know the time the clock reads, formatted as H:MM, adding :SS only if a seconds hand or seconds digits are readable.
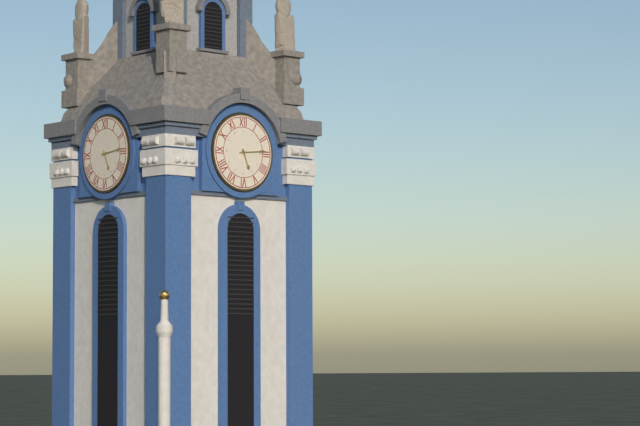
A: 5:14
